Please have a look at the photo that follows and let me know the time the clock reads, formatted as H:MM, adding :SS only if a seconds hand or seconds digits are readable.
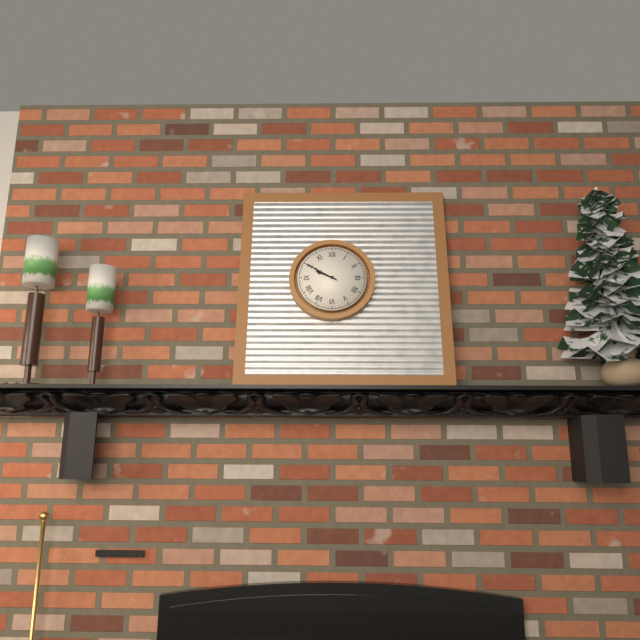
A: 9:50
